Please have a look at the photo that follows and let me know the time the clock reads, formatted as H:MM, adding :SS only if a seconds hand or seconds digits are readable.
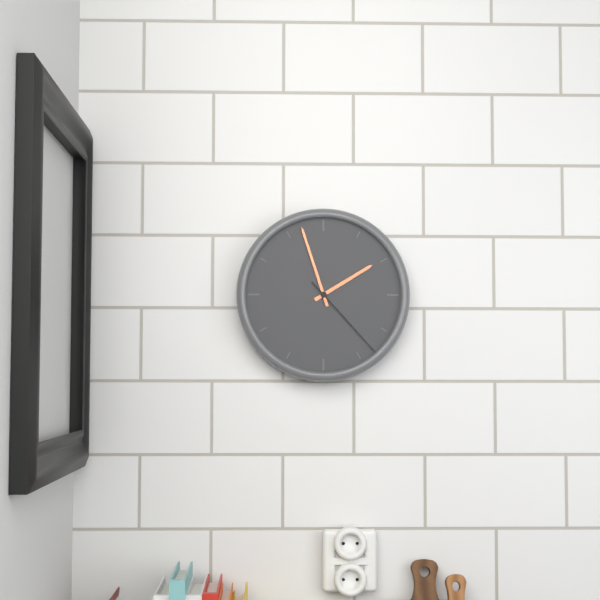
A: 1:57:23
